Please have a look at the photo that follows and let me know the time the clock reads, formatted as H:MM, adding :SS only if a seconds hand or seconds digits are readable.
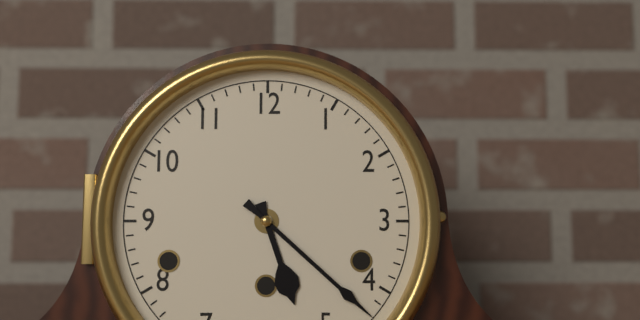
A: 5:22
